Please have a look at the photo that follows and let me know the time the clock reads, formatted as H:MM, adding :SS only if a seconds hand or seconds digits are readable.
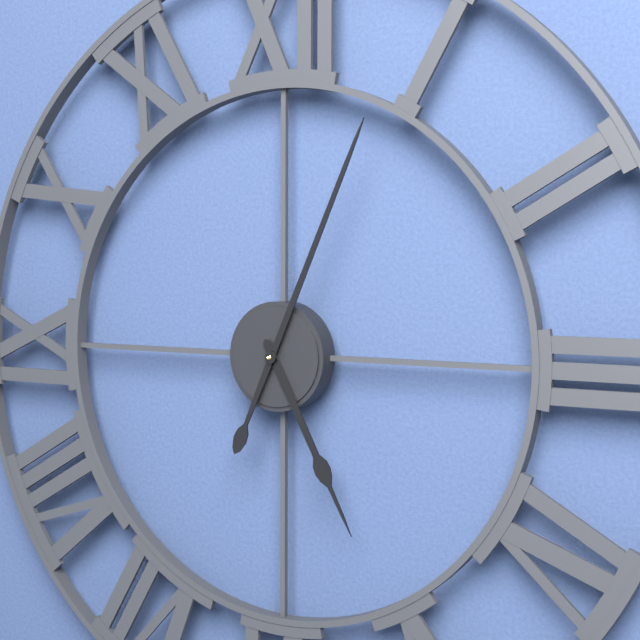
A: 5:04
